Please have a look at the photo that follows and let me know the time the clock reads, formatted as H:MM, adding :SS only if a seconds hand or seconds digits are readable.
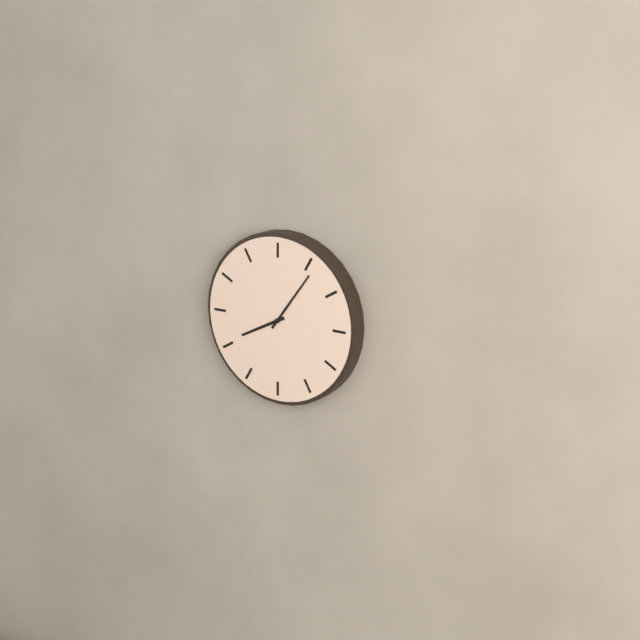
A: 8:06
